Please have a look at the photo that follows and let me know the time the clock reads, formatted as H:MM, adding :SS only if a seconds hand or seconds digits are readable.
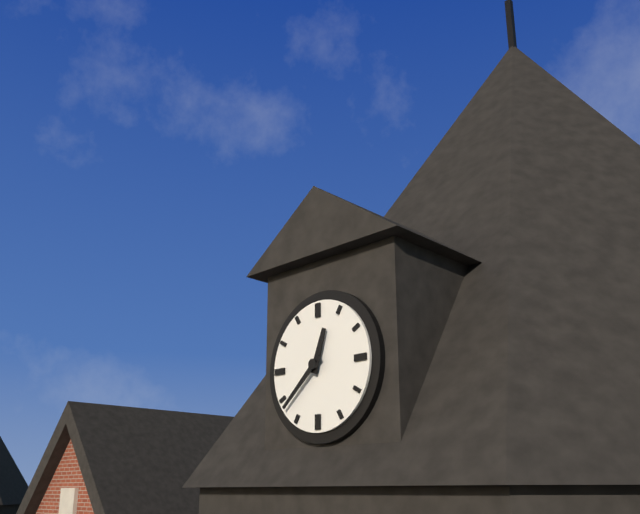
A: 12:38
